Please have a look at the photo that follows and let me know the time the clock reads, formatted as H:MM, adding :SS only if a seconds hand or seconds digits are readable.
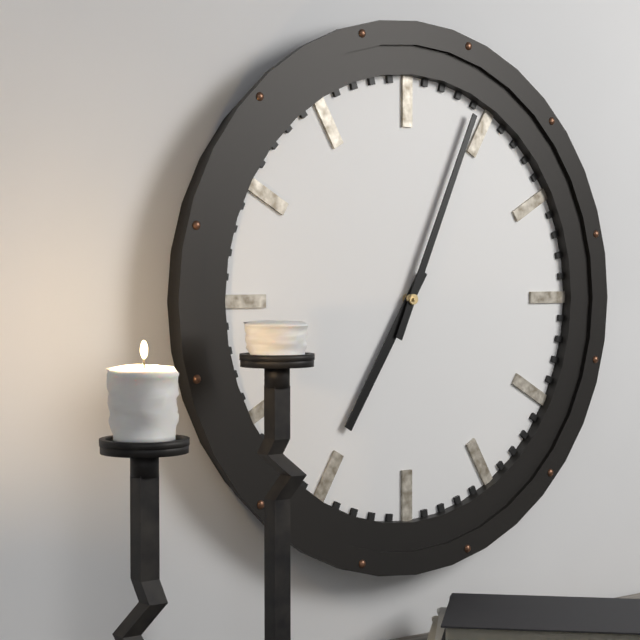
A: 7:04
